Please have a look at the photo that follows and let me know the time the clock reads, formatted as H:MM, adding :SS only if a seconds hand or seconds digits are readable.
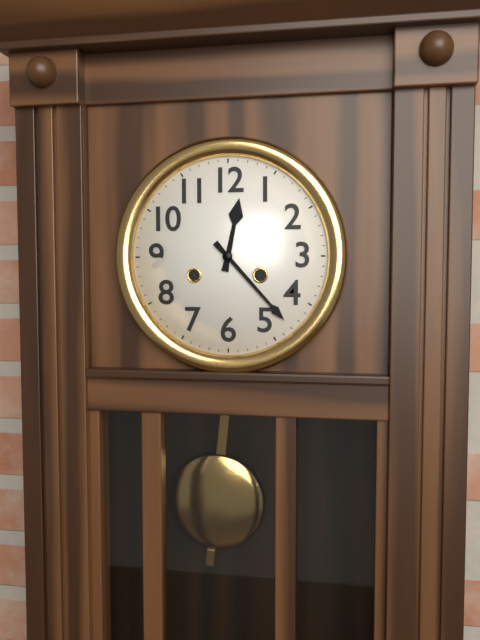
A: 12:23
